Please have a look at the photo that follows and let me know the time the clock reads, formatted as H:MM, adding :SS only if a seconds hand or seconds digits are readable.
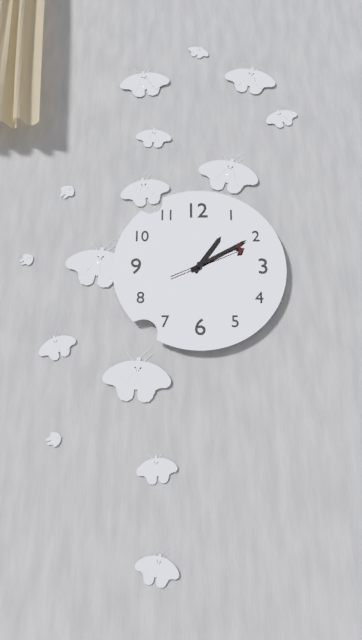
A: 1:10:11
